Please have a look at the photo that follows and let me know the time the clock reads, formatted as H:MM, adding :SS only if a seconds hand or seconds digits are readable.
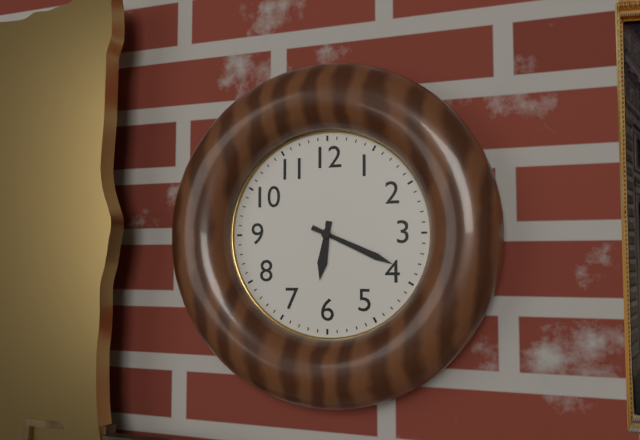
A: 6:19
